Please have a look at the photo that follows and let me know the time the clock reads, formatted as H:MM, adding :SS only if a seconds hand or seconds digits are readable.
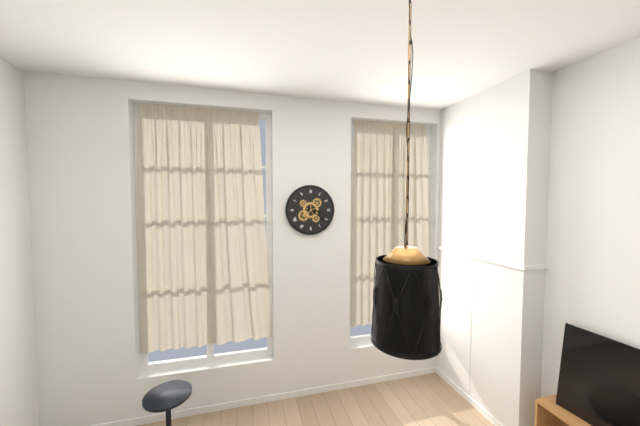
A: 3:21
